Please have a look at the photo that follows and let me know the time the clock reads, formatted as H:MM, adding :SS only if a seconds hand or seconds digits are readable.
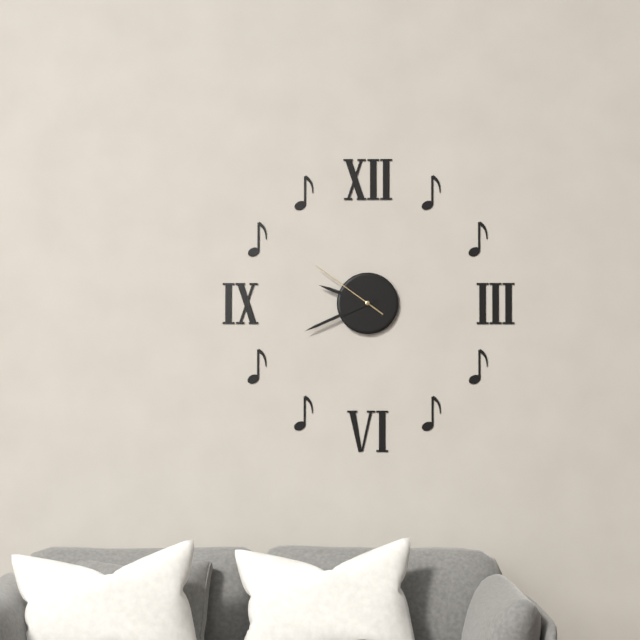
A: 9:41:51
